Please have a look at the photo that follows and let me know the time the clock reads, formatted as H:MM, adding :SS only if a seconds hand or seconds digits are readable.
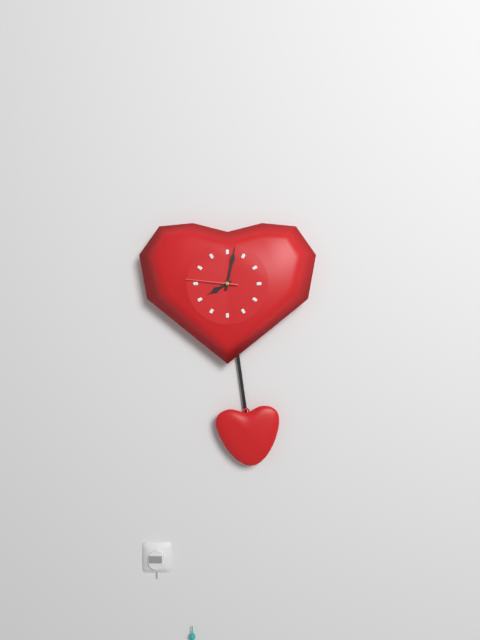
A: 8:02:46
